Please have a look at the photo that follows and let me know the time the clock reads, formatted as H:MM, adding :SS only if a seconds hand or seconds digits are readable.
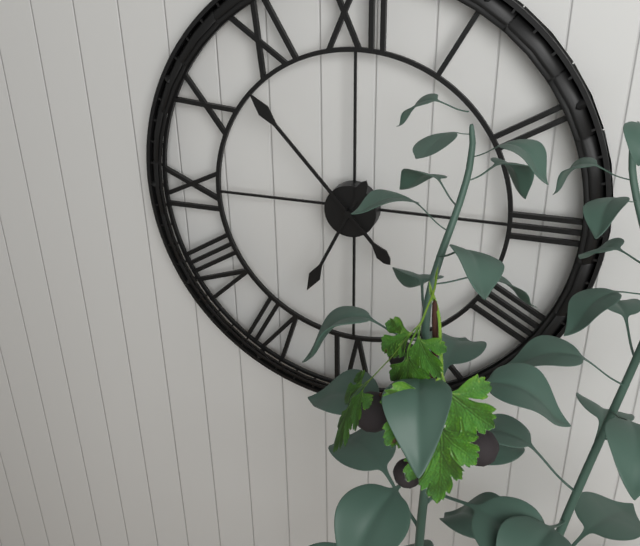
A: 6:53
